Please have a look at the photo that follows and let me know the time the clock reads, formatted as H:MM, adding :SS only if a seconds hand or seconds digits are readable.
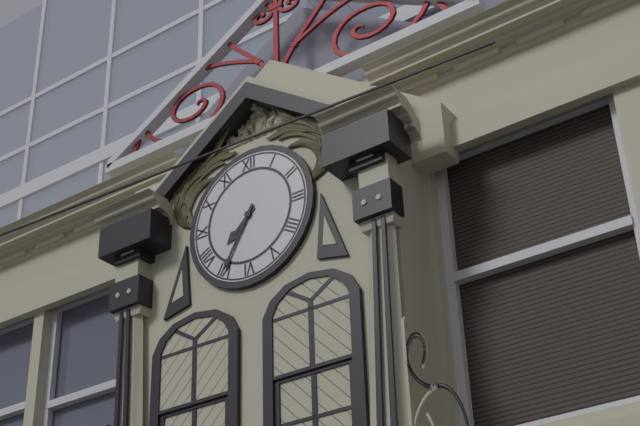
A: 7:35
